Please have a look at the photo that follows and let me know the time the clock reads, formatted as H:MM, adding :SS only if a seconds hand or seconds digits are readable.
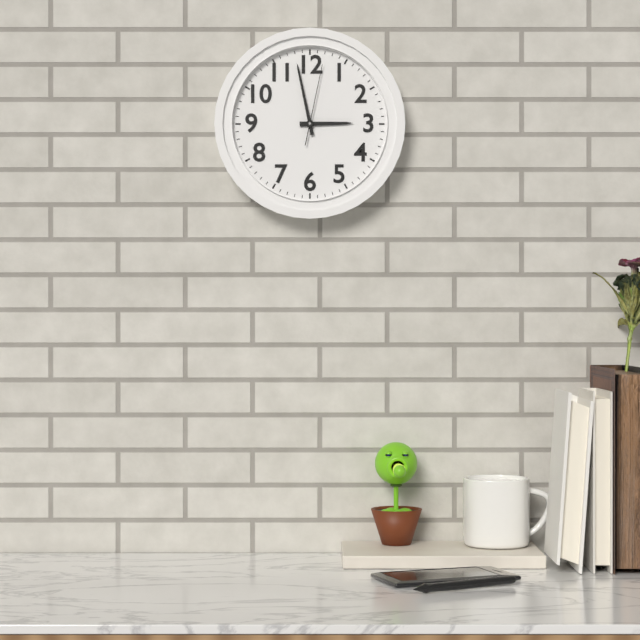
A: 2:58:02
